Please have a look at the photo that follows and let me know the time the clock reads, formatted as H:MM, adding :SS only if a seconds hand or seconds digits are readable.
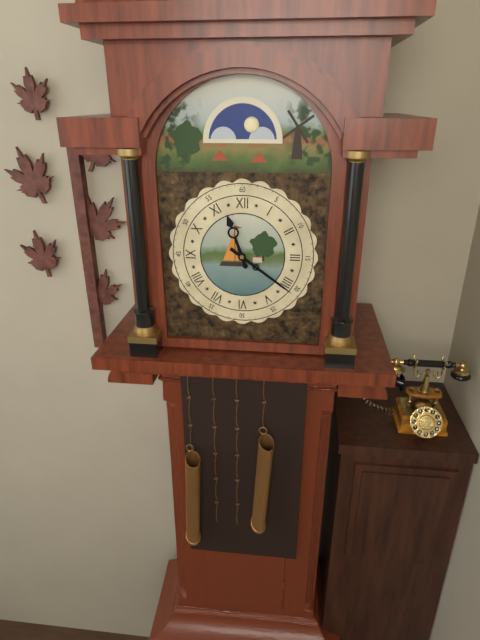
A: 11:21
